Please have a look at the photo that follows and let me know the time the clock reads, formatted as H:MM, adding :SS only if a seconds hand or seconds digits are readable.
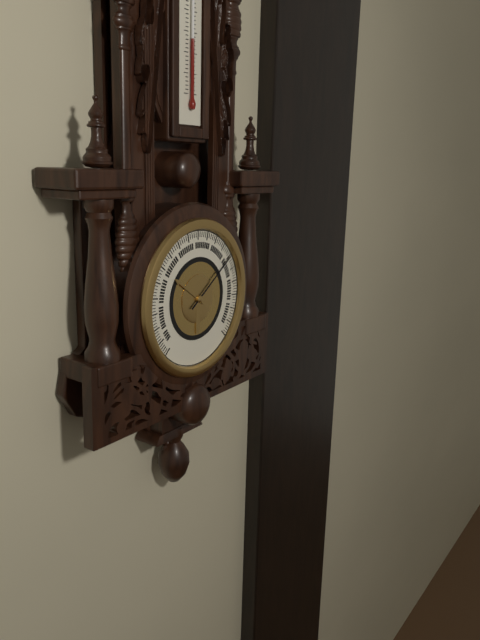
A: 10:09
